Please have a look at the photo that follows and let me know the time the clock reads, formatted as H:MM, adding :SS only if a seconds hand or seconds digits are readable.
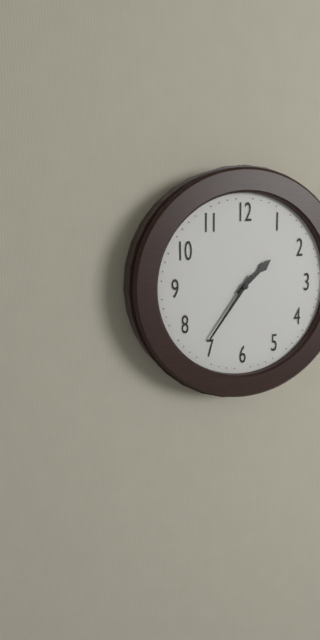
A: 1:36
